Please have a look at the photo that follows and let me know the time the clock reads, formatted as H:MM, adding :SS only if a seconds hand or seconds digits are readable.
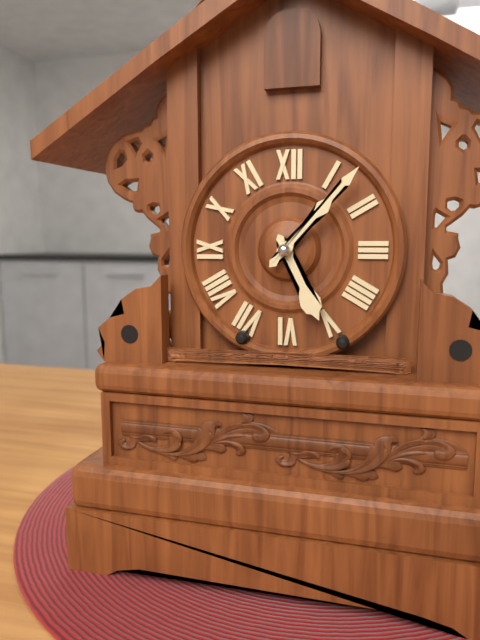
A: 5:07
